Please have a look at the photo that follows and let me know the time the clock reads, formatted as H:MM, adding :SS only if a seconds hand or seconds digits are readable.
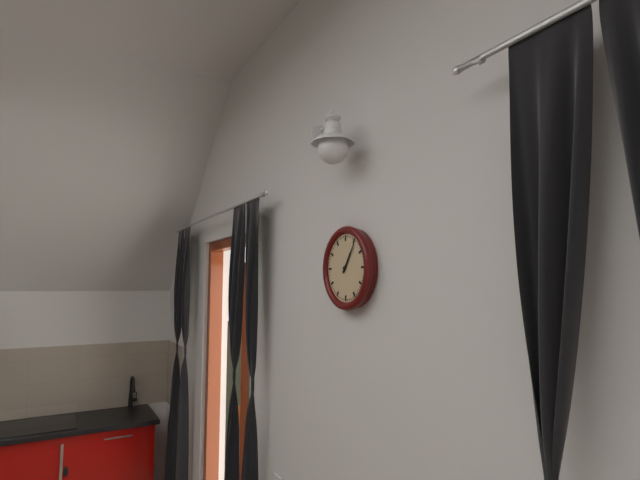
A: 1:06
